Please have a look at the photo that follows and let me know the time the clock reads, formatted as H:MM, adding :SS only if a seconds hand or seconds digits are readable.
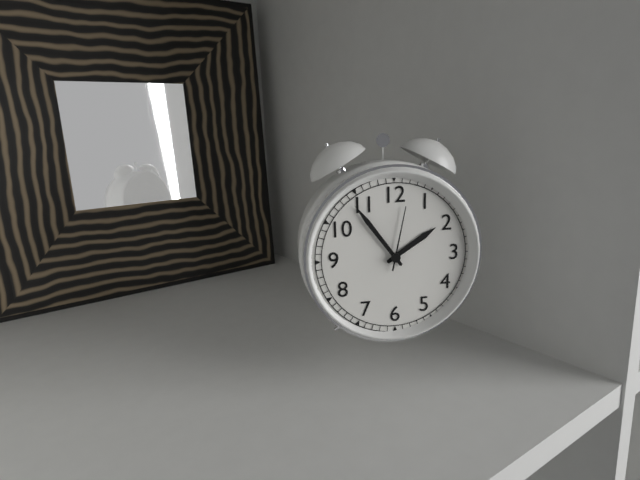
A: 1:54:02
